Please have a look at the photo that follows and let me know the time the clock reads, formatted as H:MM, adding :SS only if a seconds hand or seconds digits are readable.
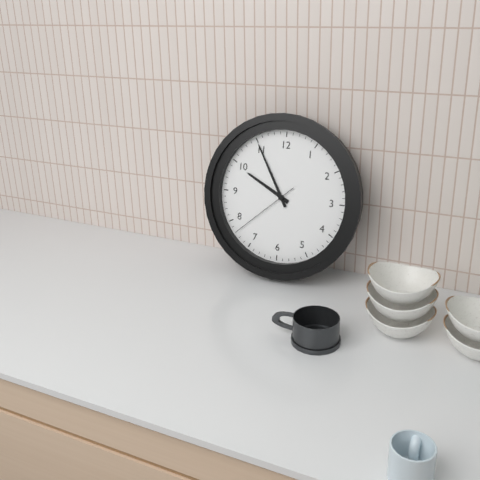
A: 9:55:38
